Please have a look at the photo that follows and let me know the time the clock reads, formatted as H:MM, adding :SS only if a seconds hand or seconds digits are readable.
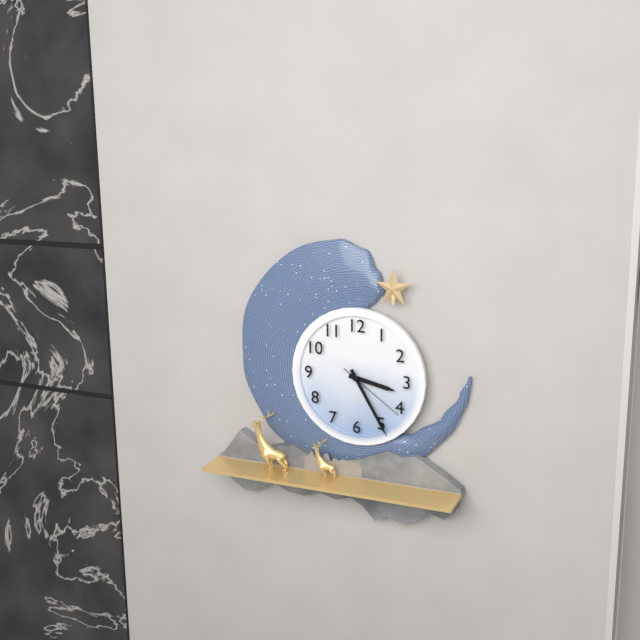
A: 3:25:21
